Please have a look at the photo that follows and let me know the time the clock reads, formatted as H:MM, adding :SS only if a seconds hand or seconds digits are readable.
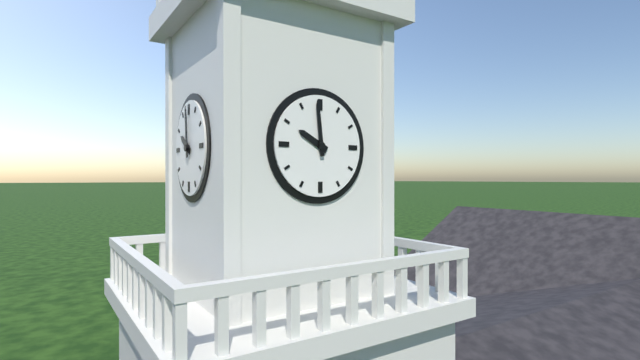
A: 9:59
